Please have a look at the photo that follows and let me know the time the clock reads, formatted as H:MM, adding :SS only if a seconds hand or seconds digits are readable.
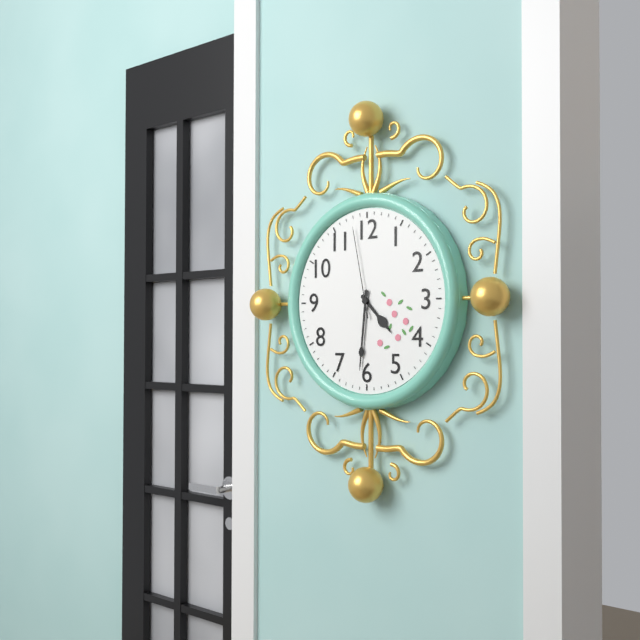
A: 4:31:58
